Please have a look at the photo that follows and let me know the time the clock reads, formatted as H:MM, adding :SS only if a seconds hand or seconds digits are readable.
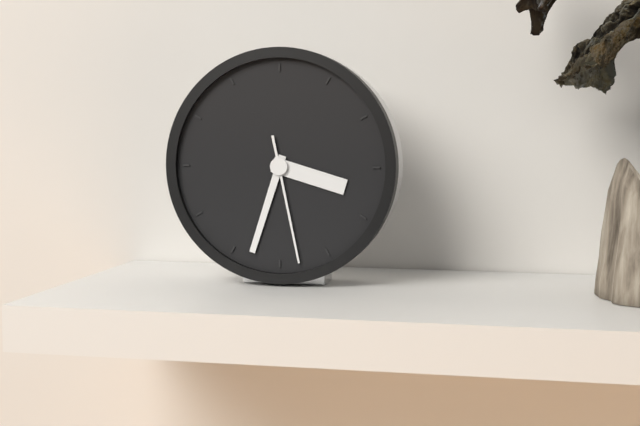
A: 3:33:28
